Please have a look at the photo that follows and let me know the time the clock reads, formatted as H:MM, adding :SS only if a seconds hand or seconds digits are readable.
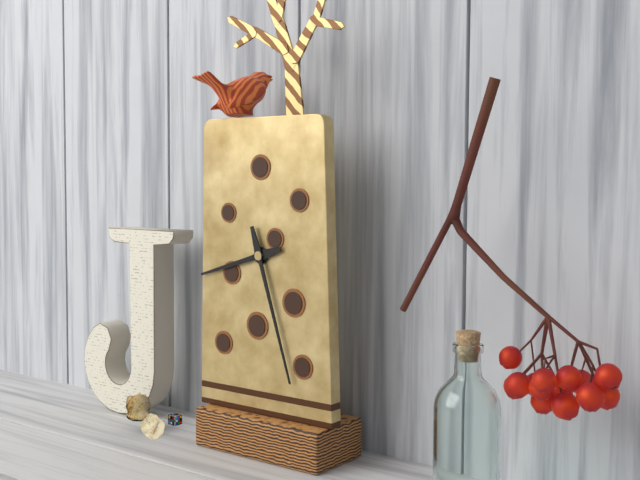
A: 8:27
